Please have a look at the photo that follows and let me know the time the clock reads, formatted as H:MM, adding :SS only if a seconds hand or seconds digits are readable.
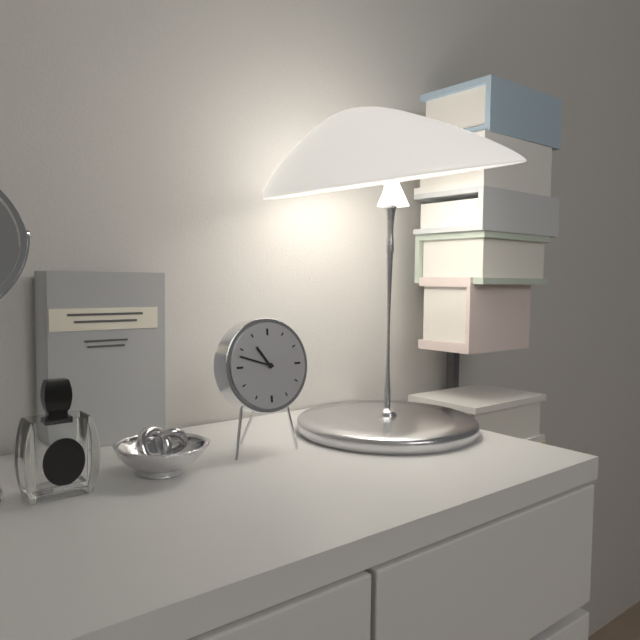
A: 10:48
